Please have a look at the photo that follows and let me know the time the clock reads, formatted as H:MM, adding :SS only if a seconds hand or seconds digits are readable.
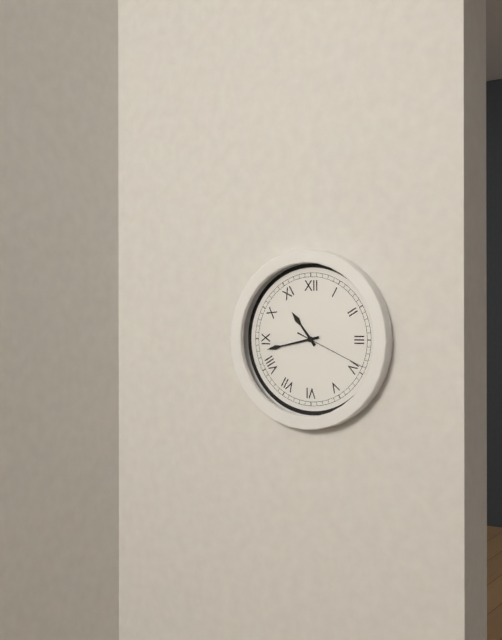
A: 10:43:19
